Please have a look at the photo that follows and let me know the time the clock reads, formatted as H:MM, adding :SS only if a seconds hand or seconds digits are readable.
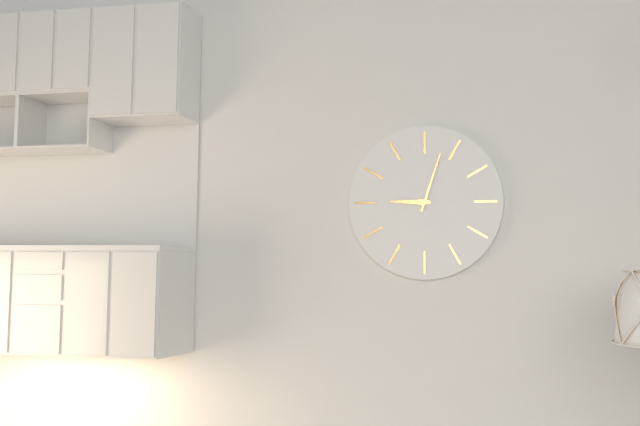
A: 9:03
